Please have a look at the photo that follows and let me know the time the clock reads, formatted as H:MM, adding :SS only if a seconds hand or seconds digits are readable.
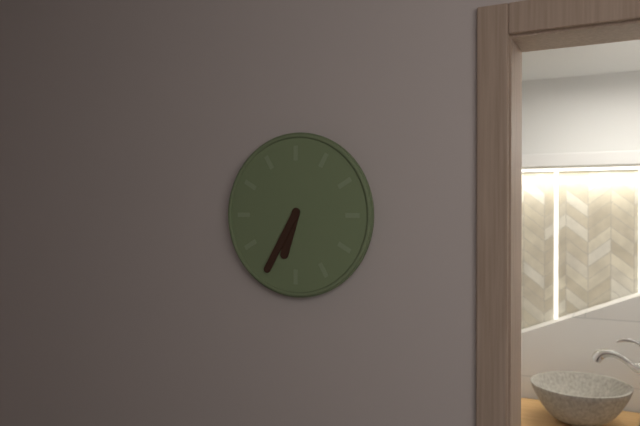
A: 6:35
